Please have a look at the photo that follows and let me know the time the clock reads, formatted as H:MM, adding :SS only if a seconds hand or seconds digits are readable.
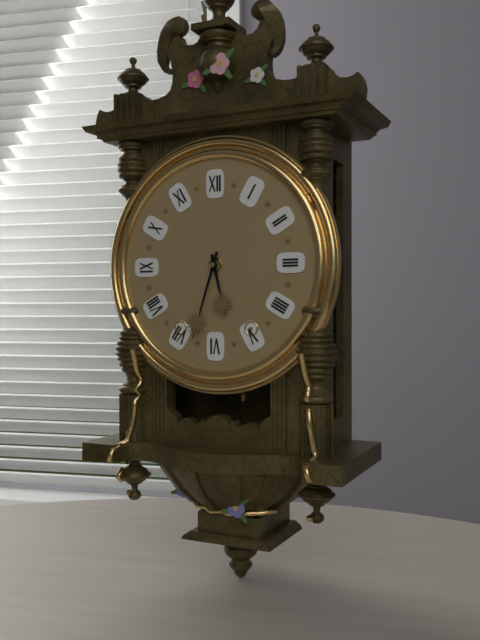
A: 5:33
